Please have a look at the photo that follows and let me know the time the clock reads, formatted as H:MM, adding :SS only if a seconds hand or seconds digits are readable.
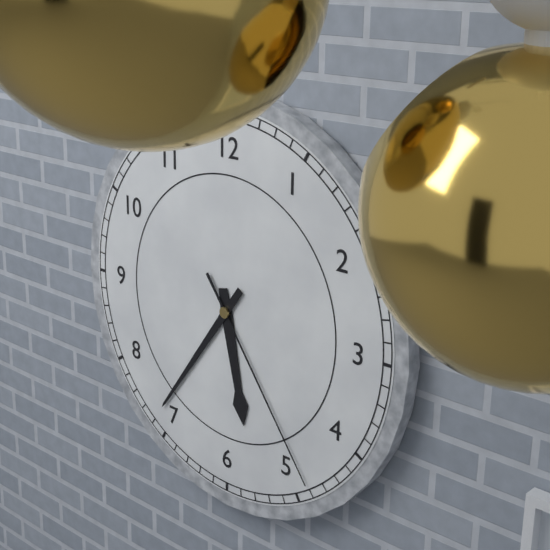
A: 5:36:24
